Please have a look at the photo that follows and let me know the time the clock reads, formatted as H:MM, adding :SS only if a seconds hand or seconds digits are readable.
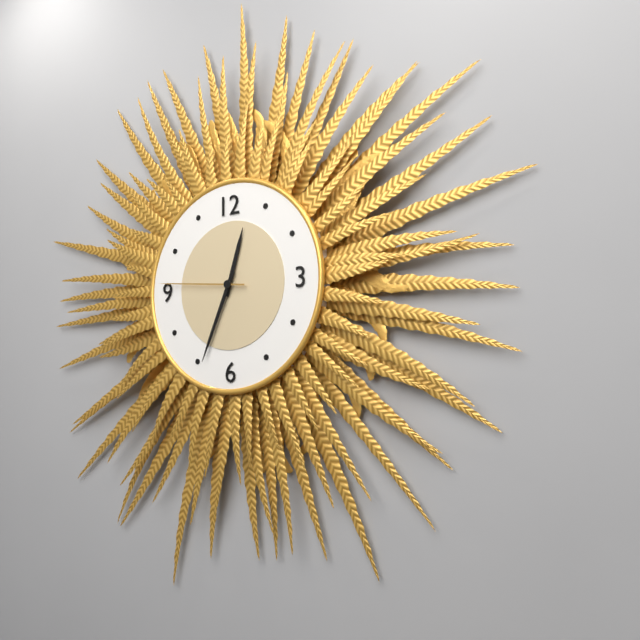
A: 12:34:46
